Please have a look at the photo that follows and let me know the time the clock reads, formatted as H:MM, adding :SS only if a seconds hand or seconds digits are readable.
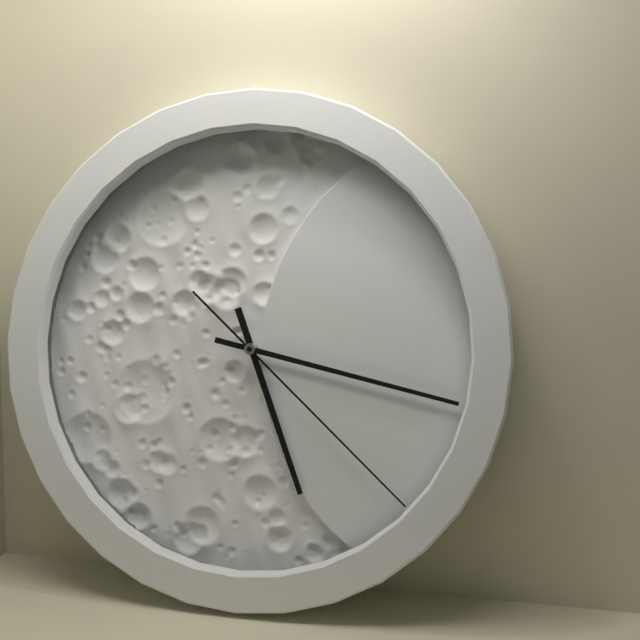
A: 5:17:22
